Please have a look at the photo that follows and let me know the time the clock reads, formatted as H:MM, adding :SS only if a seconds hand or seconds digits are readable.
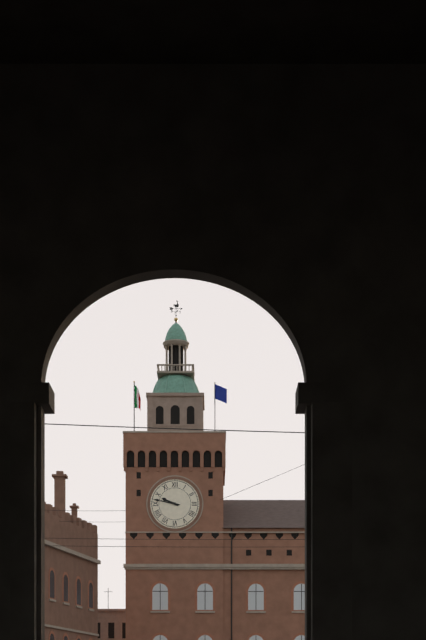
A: 9:47
